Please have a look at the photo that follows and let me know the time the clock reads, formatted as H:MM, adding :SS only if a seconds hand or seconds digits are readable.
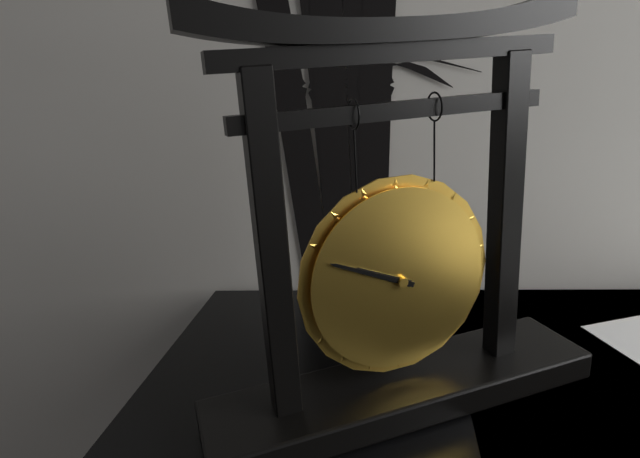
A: 9:49
